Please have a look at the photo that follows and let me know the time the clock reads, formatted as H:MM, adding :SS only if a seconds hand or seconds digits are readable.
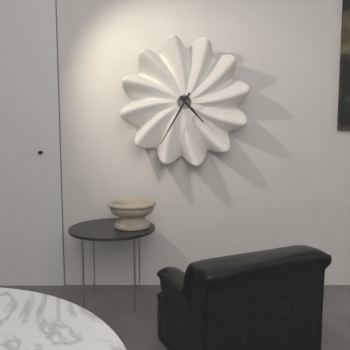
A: 4:35
